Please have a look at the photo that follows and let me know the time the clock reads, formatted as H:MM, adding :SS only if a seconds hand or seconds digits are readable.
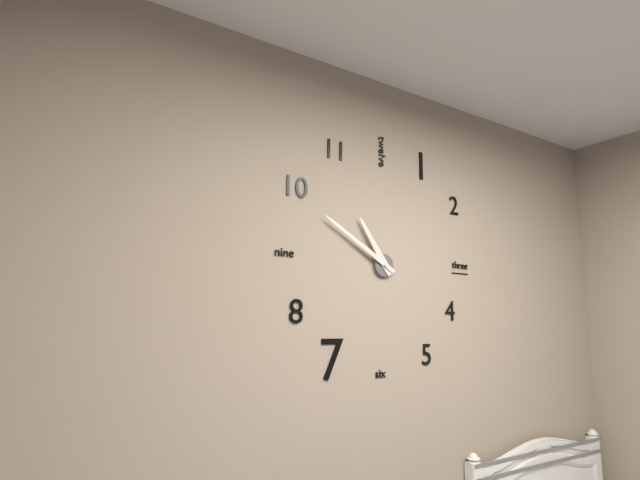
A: 10:50
